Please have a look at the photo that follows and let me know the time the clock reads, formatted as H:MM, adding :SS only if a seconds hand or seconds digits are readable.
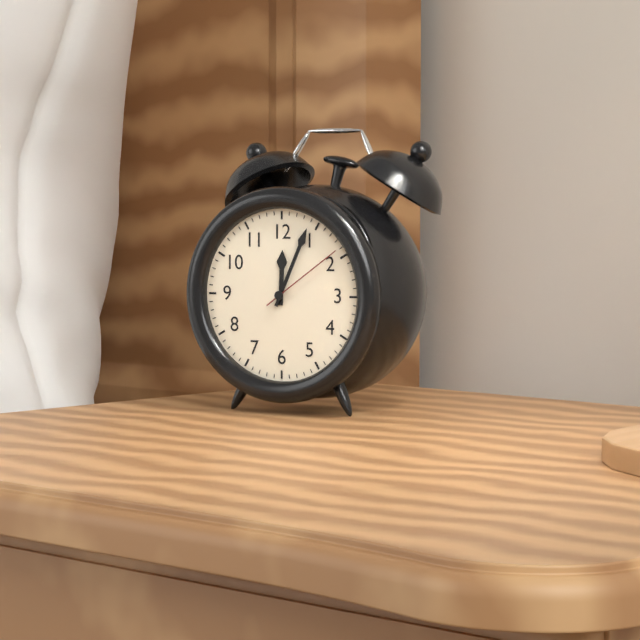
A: 12:04:09
